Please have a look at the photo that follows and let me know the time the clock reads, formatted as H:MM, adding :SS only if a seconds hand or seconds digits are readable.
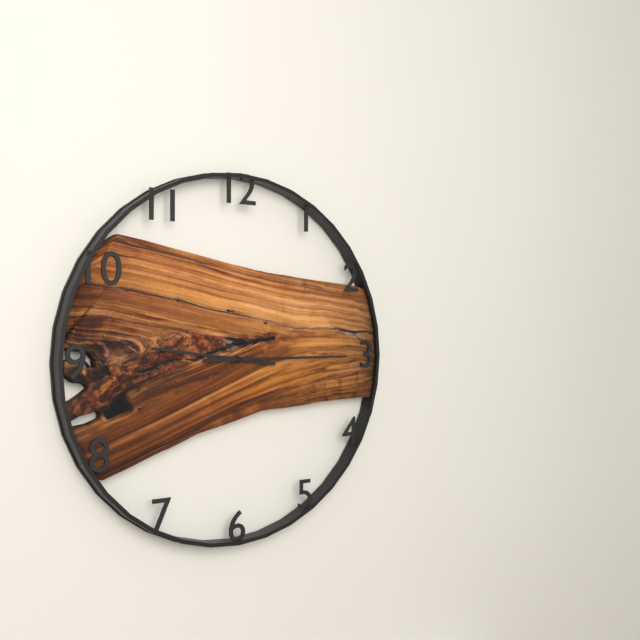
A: 9:15
